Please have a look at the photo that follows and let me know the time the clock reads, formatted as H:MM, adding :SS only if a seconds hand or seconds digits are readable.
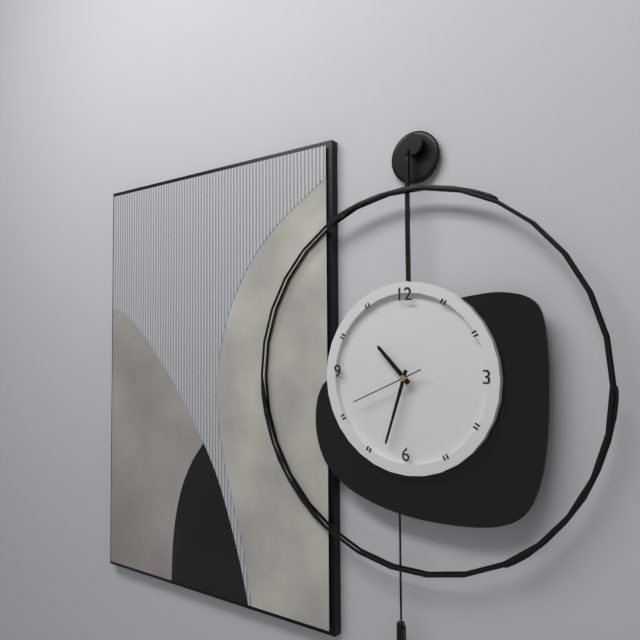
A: 10:33:41
